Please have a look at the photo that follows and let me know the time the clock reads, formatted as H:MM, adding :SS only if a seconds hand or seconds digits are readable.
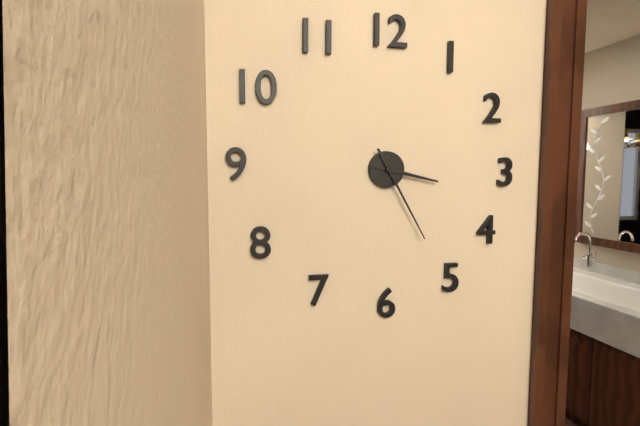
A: 3:25
